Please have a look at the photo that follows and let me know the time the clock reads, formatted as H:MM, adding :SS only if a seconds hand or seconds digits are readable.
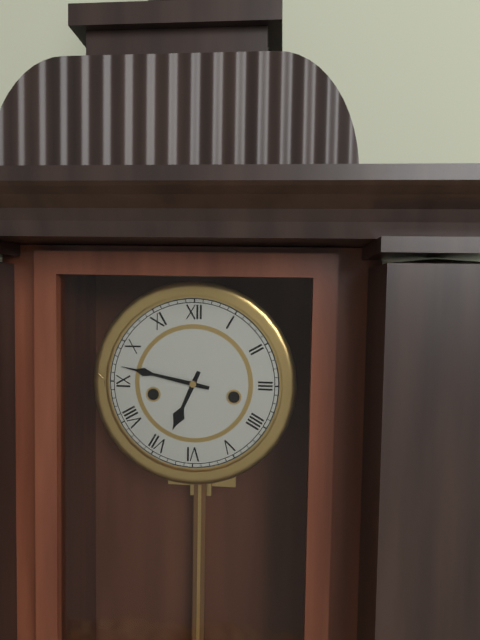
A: 6:47
